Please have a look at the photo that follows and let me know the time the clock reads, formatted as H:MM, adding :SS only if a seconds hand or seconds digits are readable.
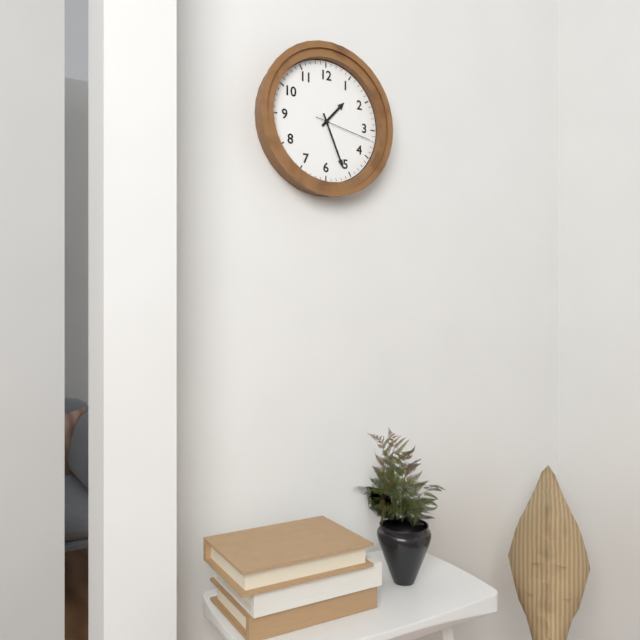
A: 1:26:17
